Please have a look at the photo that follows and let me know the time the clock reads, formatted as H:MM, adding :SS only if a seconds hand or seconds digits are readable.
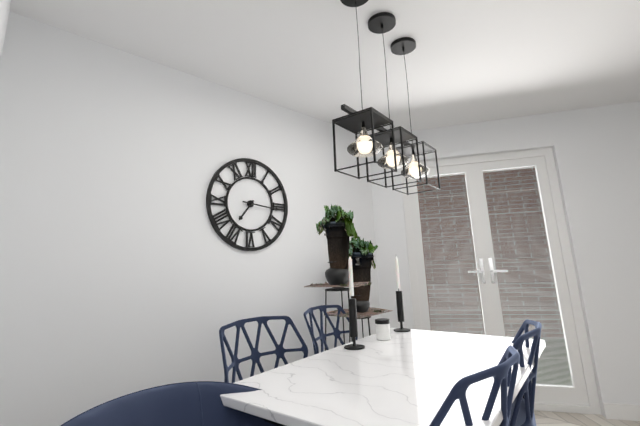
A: 7:16
